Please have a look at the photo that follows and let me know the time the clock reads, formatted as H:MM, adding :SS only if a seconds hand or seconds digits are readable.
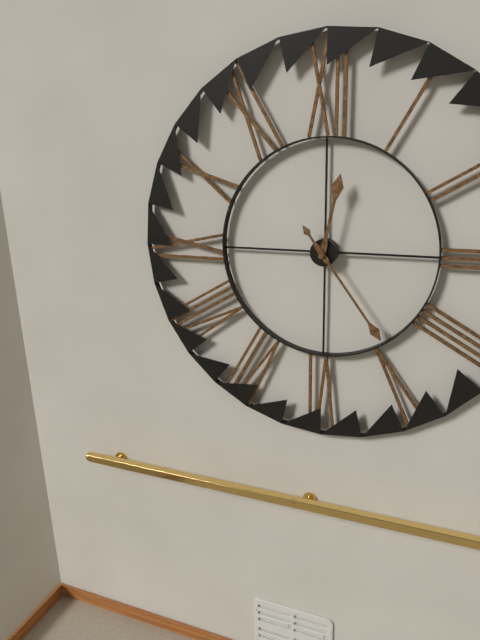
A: 12:24
